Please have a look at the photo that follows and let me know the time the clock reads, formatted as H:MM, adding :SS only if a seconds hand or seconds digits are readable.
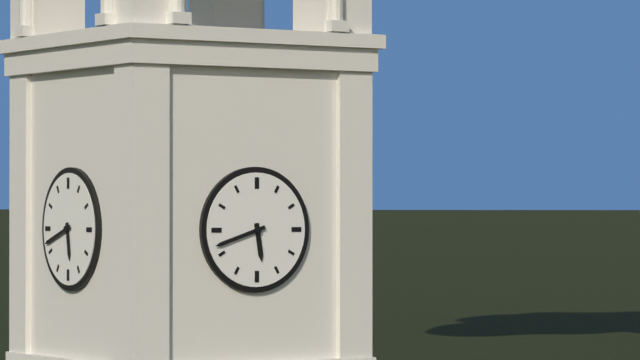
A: 5:42
